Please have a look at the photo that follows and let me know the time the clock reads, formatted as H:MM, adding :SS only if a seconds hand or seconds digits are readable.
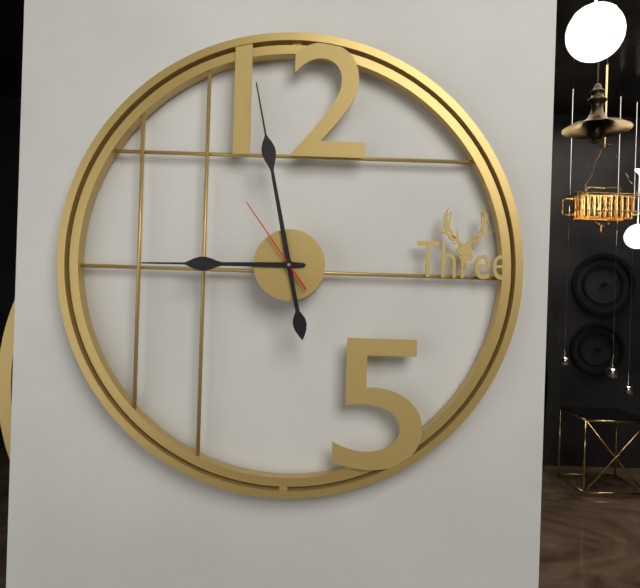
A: 8:58:54
